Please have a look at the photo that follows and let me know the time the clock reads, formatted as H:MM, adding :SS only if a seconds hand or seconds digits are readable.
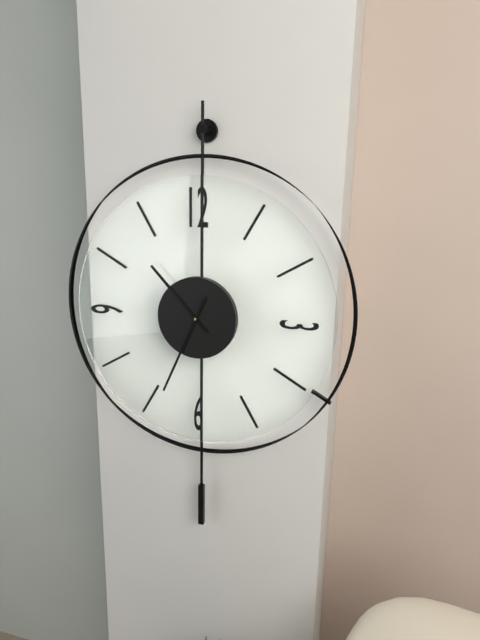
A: 10:34
